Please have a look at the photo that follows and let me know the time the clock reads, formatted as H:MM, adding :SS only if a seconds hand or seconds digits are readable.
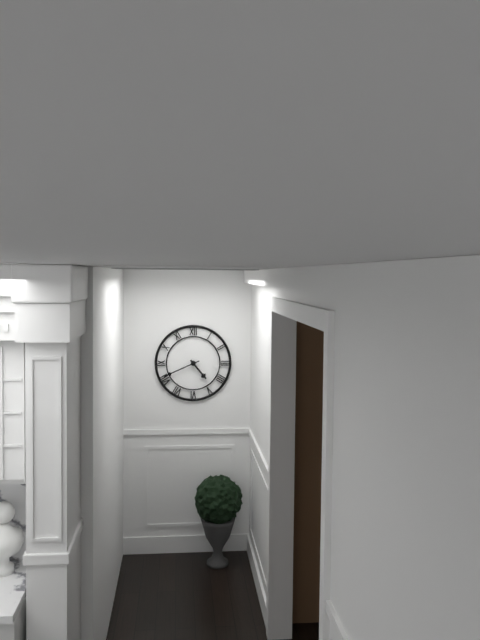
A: 4:41
